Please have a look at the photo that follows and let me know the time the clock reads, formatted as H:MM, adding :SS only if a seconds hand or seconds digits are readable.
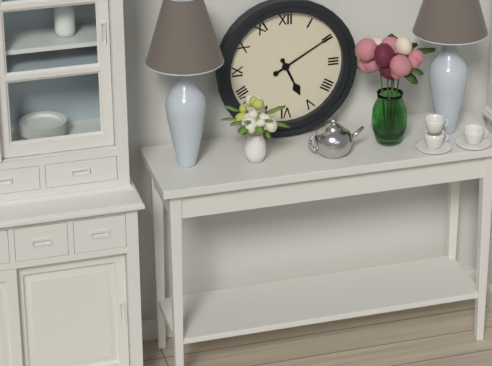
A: 5:10
